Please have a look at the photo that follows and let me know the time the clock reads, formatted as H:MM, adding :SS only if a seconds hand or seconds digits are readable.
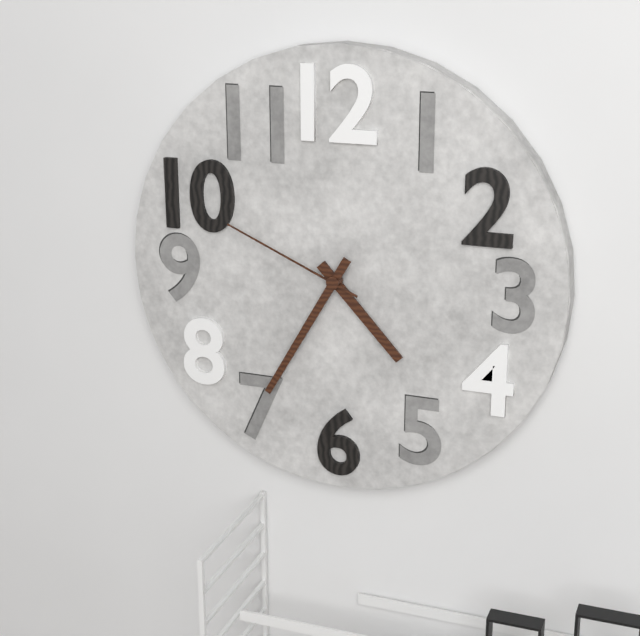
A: 4:35:49
